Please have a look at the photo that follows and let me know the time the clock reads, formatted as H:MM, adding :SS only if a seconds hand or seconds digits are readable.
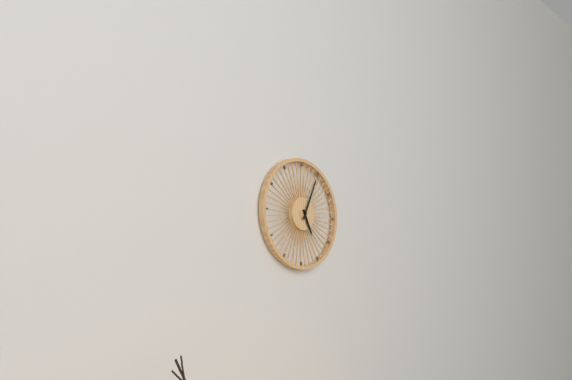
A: 5:04
